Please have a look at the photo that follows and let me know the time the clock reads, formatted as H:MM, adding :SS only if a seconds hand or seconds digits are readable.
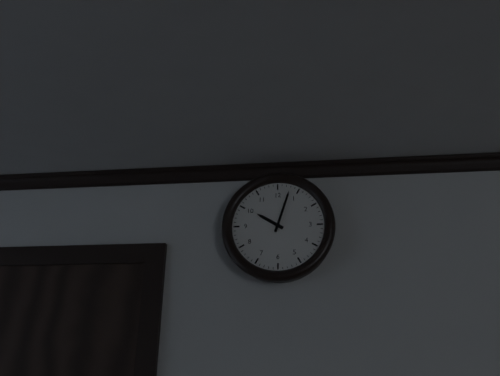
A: 10:03
